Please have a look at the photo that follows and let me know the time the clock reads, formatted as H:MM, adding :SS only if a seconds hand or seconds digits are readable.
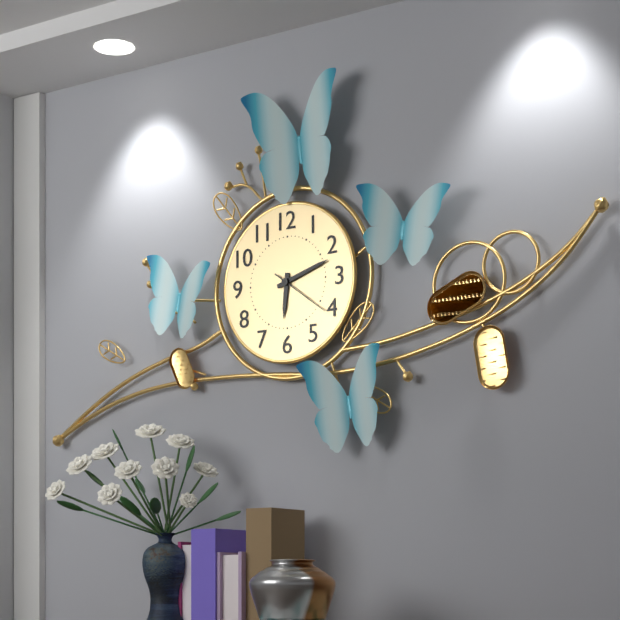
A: 6:12:21
